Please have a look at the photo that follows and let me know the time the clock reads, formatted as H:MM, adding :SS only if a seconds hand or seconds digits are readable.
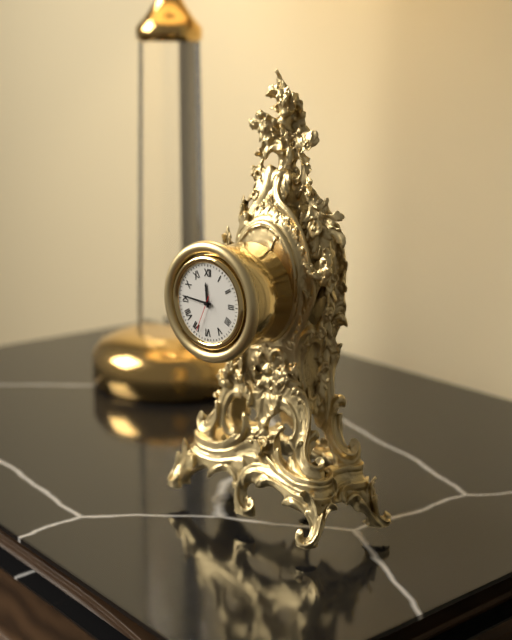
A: 11:46
